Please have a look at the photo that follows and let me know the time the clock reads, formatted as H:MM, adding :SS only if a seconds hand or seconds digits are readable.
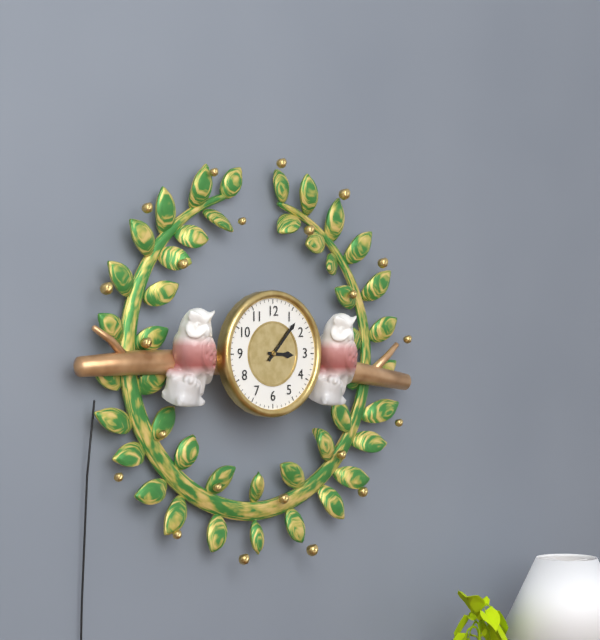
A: 3:07
